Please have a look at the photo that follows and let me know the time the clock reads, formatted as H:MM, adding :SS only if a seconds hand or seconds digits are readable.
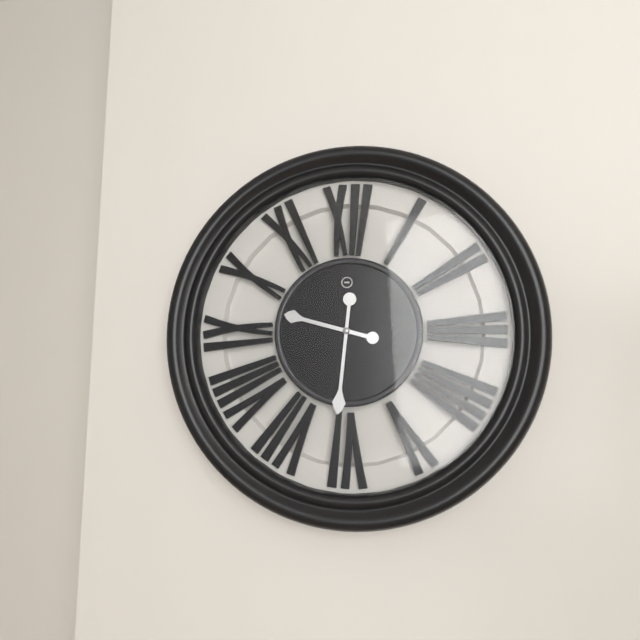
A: 9:31
